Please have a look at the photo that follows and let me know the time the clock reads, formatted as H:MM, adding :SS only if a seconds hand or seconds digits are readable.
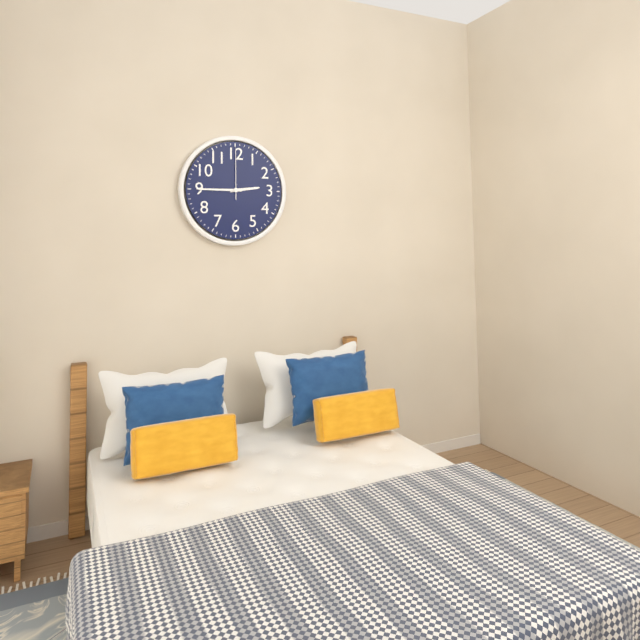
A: 2:45:00
